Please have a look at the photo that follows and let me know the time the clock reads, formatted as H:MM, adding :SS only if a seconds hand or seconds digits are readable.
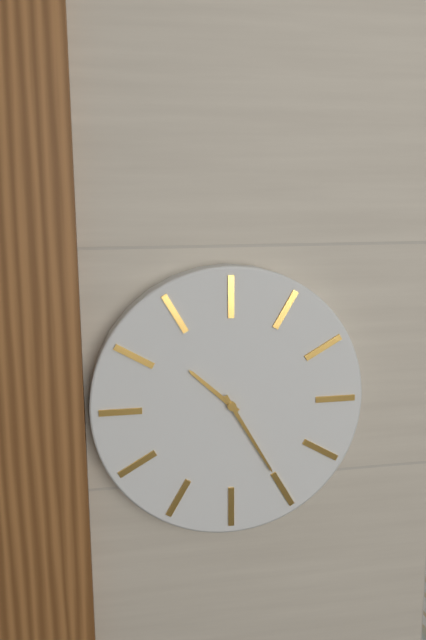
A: 10:25
